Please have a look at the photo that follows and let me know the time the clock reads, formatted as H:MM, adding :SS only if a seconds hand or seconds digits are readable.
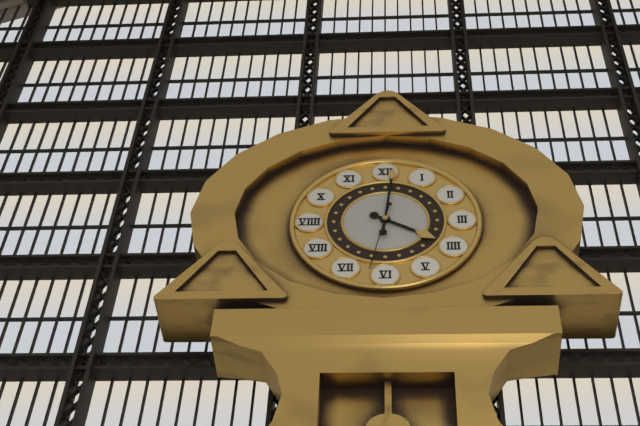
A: 4:01:32
